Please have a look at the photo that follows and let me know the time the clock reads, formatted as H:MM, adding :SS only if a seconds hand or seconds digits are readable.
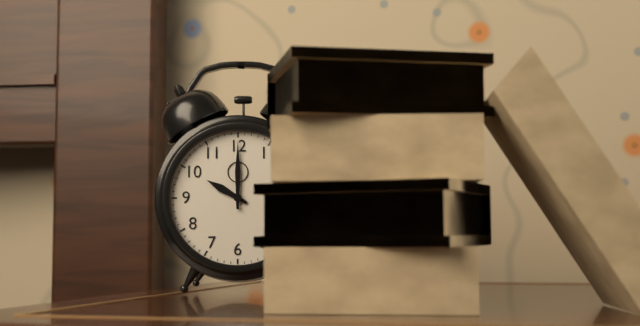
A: 10:00
